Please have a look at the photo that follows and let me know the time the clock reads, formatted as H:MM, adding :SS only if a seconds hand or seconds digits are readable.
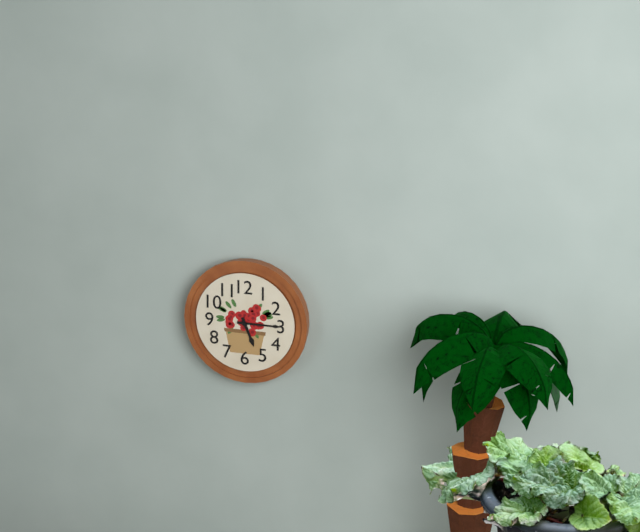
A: 5:15
